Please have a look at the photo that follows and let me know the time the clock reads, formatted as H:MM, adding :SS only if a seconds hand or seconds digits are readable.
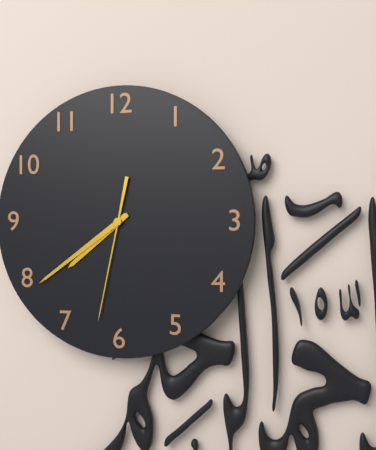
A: 7:39:32
